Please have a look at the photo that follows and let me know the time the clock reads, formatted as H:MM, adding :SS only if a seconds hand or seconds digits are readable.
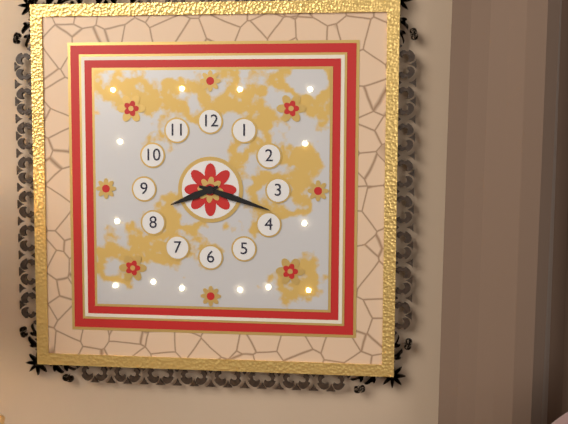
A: 8:18
